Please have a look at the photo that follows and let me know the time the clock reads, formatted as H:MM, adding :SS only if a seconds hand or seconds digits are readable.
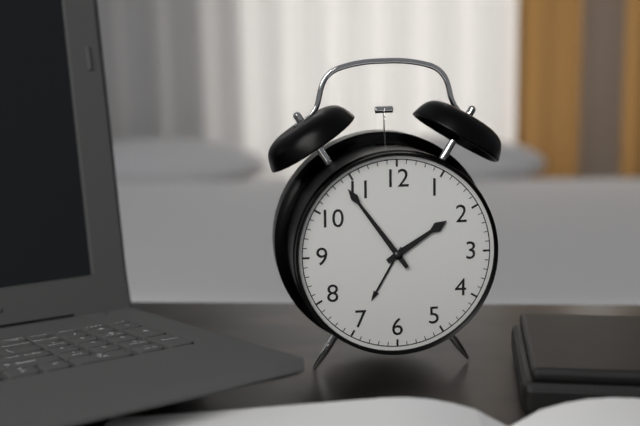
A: 1:54
